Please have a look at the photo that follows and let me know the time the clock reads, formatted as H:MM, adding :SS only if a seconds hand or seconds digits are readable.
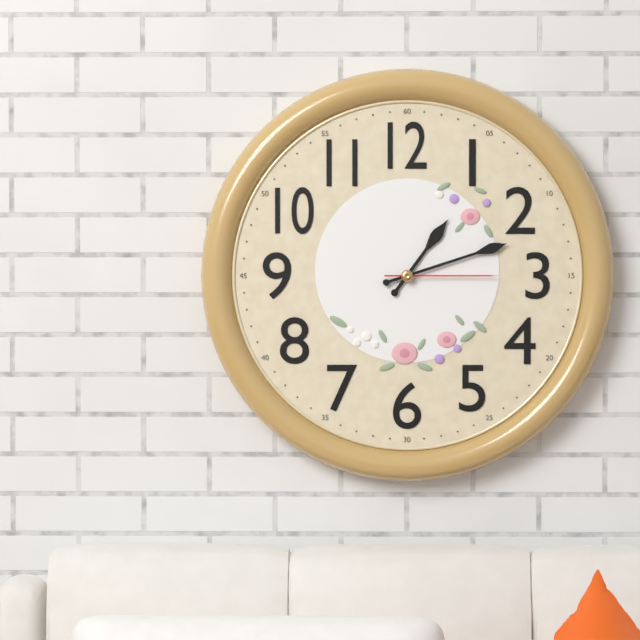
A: 1:12:15
